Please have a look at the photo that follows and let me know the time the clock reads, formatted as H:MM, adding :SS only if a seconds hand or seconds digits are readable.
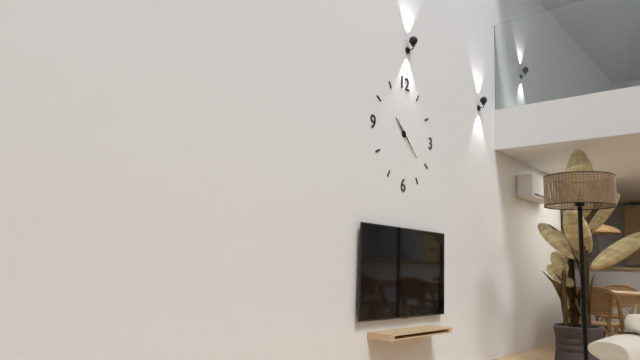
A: 10:22
